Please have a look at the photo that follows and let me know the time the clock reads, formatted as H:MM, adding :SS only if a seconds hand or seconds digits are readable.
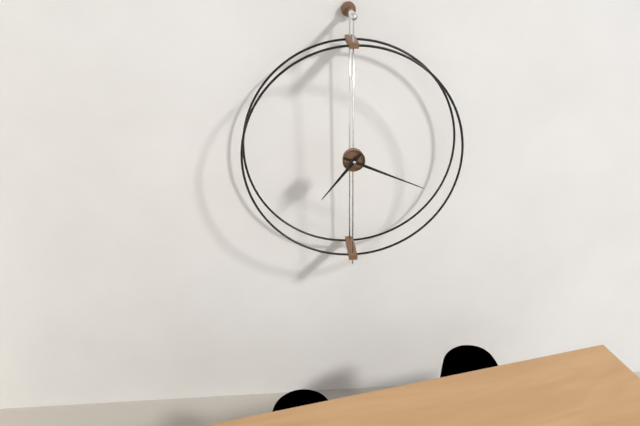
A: 7:19
